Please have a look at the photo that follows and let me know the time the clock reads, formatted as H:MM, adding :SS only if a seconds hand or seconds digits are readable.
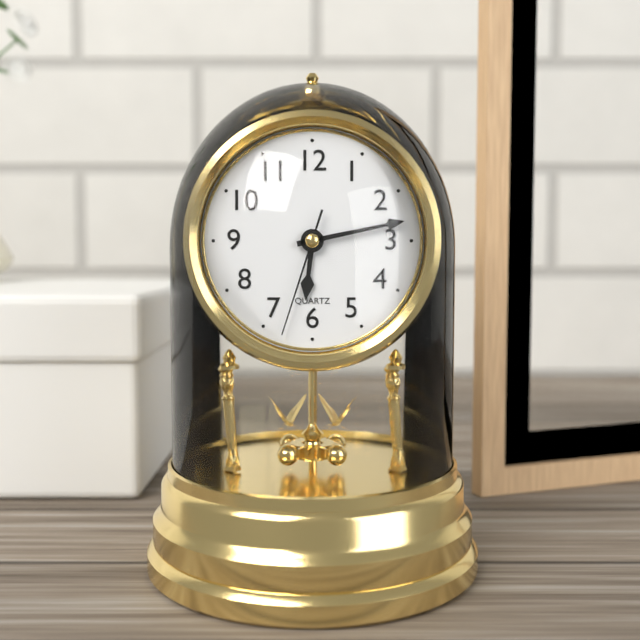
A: 6:13:33
